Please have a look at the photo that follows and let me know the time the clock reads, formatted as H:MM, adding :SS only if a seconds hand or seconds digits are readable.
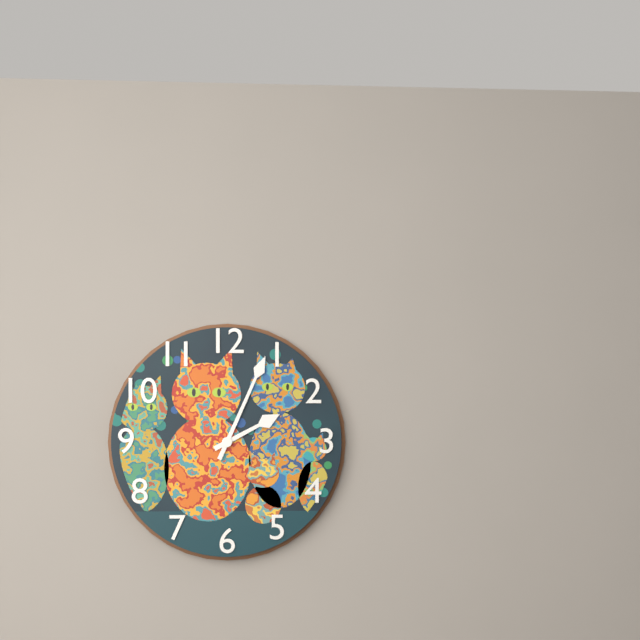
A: 2:04
